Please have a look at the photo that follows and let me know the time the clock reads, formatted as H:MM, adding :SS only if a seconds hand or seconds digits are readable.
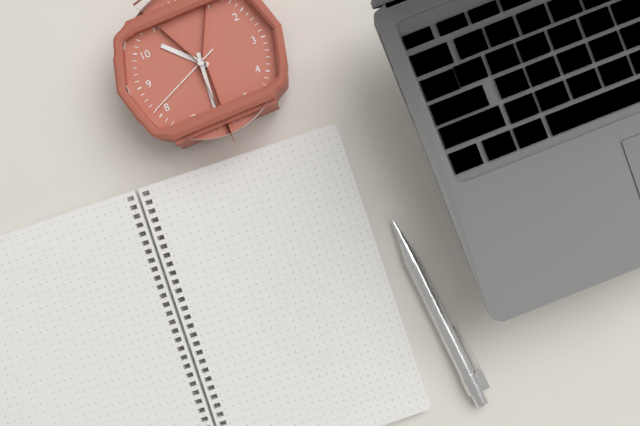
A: 10:31:41
